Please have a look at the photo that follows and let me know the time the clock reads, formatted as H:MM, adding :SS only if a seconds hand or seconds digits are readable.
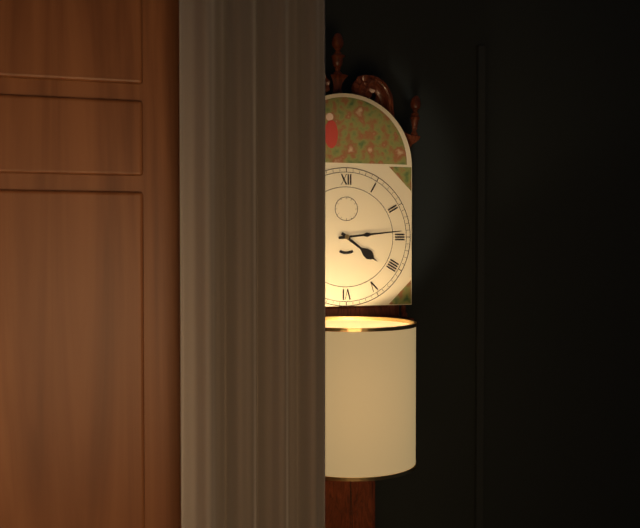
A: 4:14
